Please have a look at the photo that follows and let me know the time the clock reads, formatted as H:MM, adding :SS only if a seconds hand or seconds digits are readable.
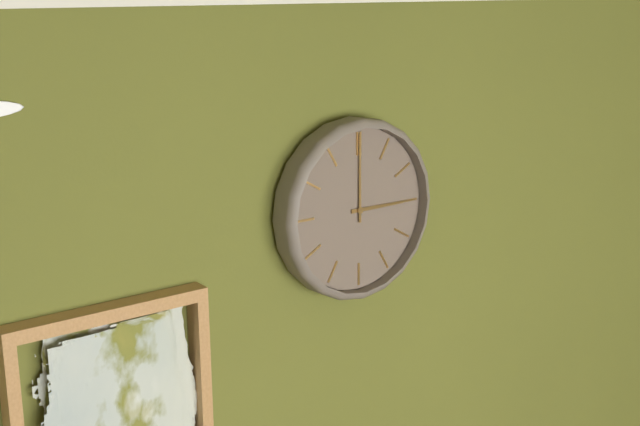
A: 3:00
